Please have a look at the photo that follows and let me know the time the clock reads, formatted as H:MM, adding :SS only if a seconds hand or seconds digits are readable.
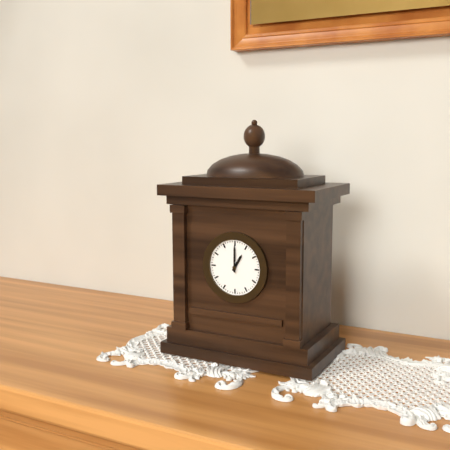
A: 1:00
